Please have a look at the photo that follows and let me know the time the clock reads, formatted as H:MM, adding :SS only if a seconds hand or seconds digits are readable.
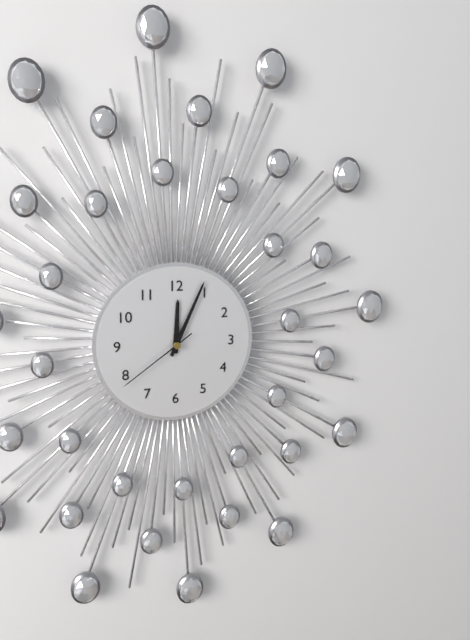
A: 12:04:39
